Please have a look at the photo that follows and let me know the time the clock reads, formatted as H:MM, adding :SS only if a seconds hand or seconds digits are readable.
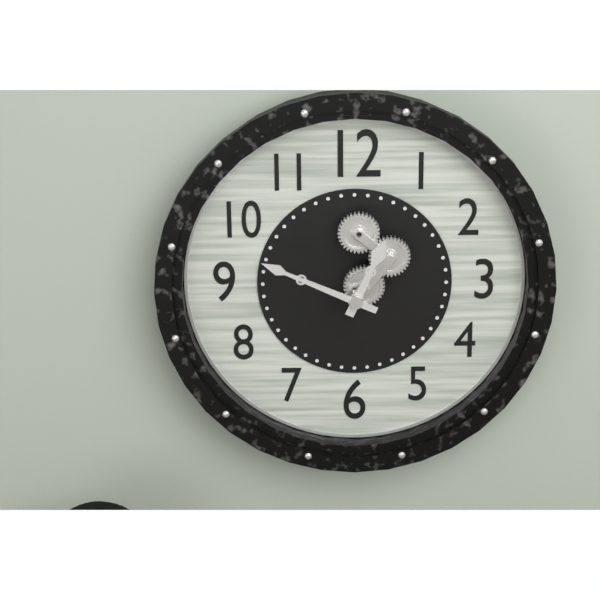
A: 12:49
